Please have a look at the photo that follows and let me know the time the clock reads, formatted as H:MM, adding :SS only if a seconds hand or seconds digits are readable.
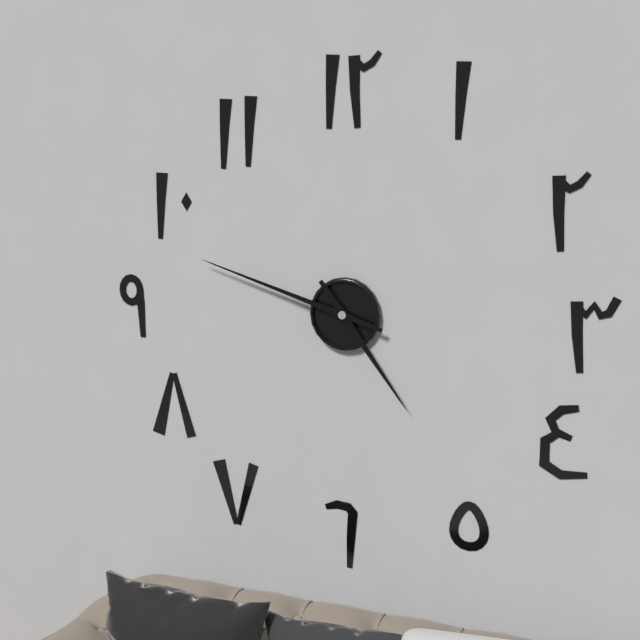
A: 4:48
